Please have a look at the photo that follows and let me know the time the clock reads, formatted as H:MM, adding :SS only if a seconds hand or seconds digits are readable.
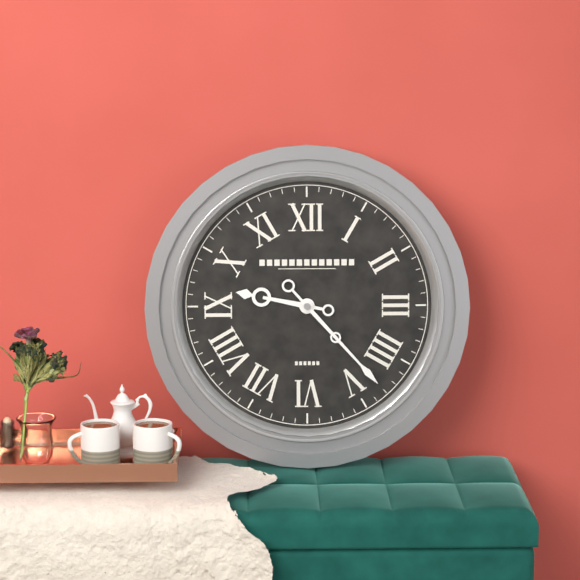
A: 9:23
